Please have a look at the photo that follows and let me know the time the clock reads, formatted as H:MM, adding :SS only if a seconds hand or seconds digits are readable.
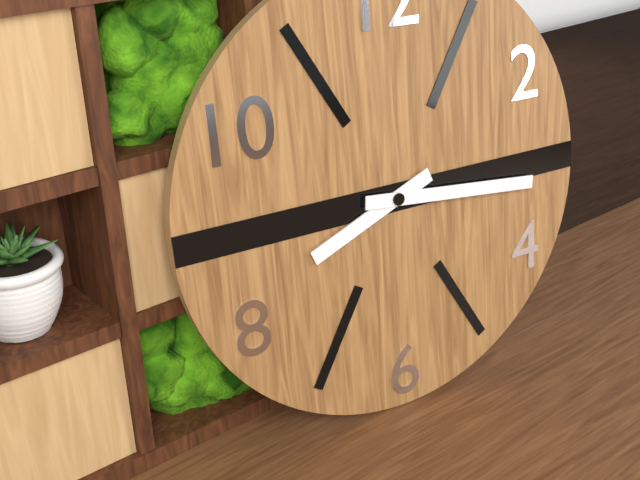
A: 8:16
